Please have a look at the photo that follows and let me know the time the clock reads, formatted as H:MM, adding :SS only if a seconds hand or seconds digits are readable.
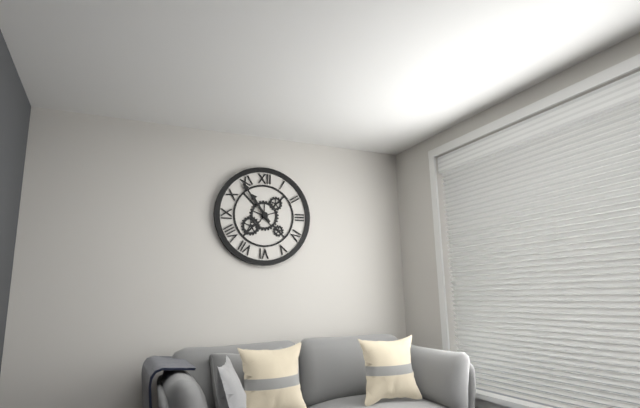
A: 10:54
